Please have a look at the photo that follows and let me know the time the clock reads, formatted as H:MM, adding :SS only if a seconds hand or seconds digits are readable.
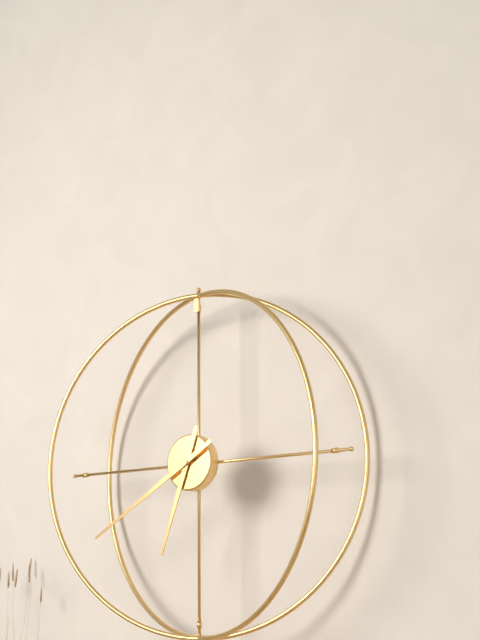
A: 6:40
